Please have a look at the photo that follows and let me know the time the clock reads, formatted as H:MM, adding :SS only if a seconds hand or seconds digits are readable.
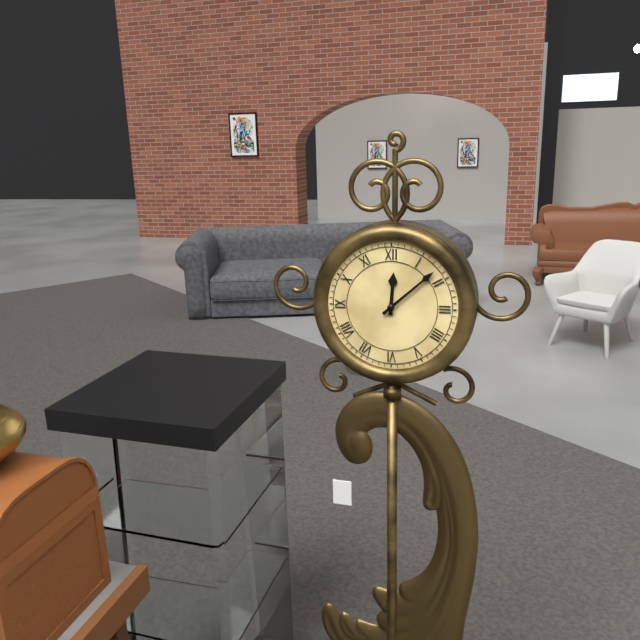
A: 12:08
